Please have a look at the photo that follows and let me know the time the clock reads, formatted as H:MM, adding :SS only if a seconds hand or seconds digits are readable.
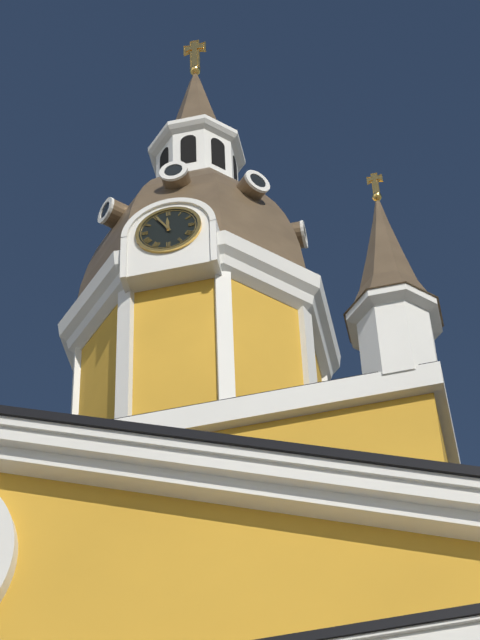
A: 11:55
